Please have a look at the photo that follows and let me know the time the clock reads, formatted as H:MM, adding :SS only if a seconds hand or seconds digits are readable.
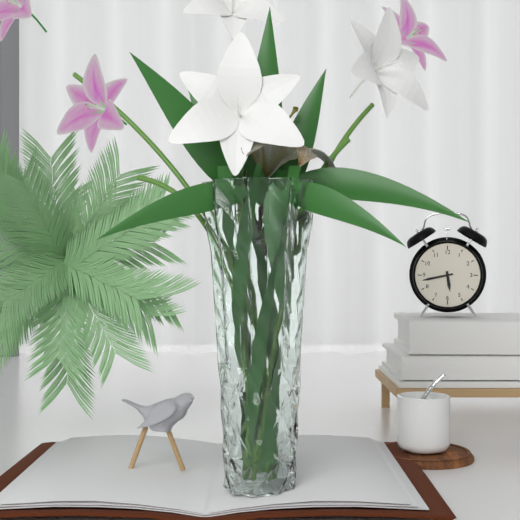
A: 5:43
